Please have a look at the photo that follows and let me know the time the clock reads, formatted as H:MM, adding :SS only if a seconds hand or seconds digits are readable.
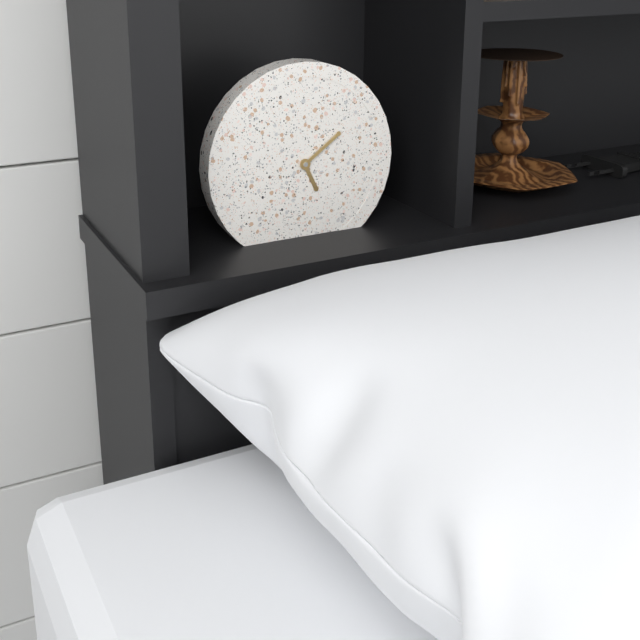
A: 5:09
